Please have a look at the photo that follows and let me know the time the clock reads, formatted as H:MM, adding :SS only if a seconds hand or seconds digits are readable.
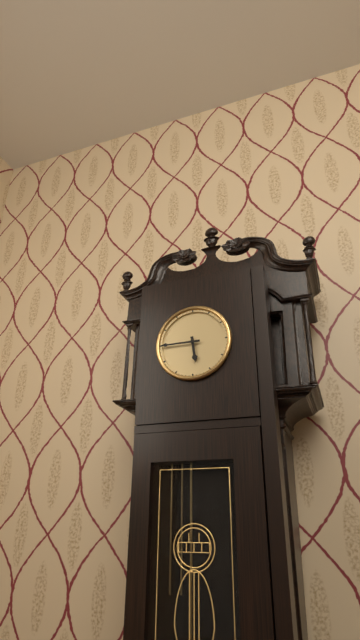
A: 5:45
